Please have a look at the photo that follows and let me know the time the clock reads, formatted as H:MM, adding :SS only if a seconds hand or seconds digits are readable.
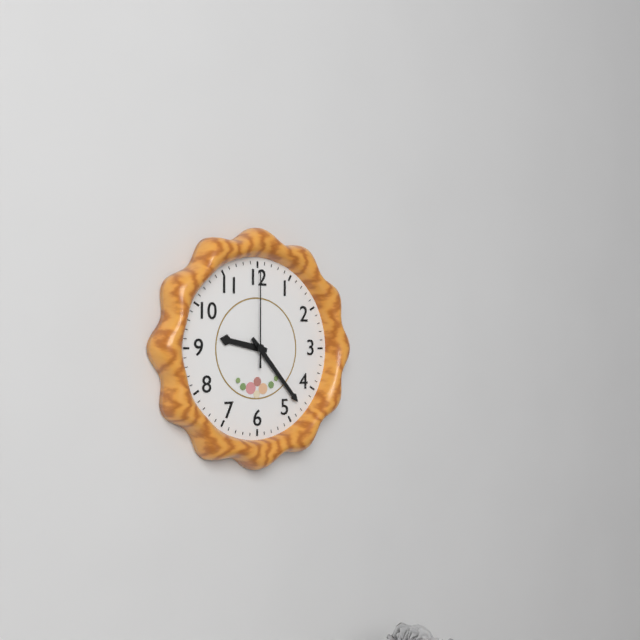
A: 9:23:00
